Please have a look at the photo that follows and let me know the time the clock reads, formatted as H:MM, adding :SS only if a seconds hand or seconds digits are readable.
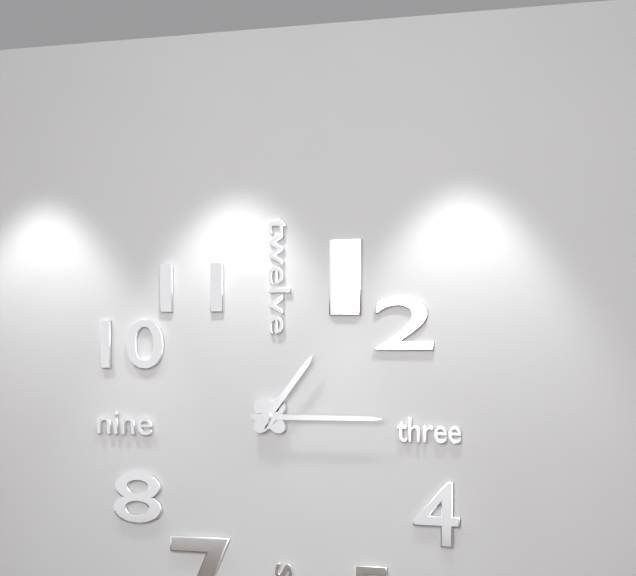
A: 1:15
